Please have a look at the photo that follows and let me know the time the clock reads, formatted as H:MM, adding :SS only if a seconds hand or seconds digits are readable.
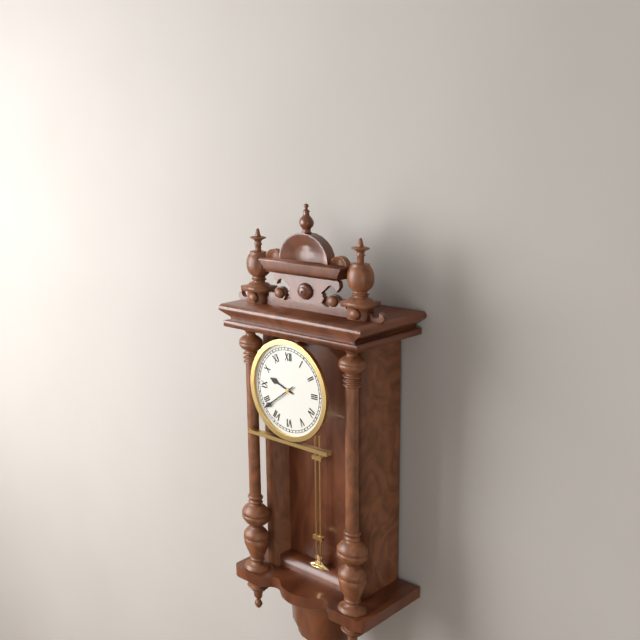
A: 9:39
